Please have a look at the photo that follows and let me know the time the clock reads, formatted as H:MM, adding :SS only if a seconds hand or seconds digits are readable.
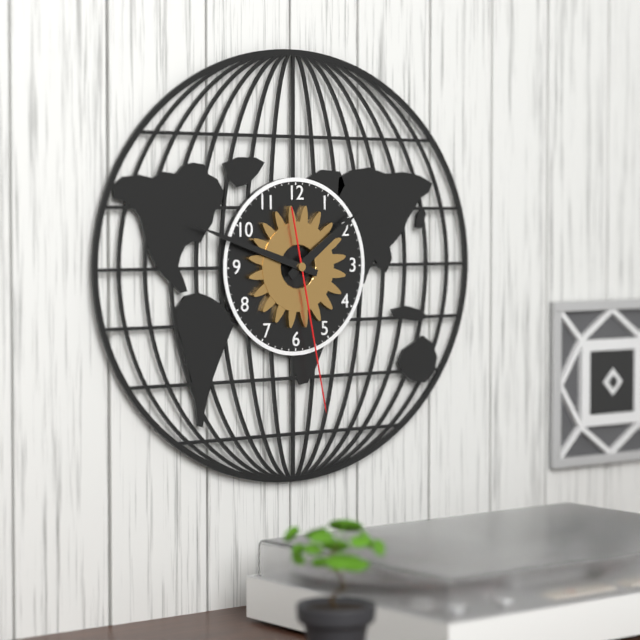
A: 1:48:28
